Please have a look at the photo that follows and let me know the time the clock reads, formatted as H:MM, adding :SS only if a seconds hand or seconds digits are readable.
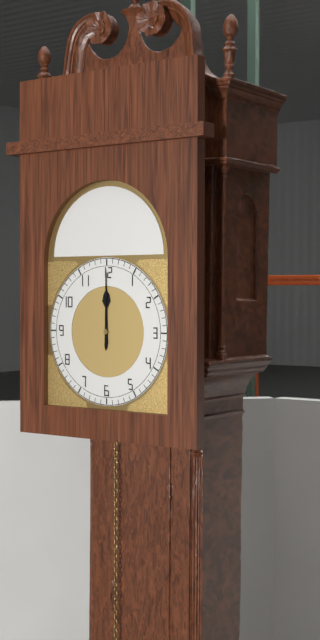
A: 12:00
